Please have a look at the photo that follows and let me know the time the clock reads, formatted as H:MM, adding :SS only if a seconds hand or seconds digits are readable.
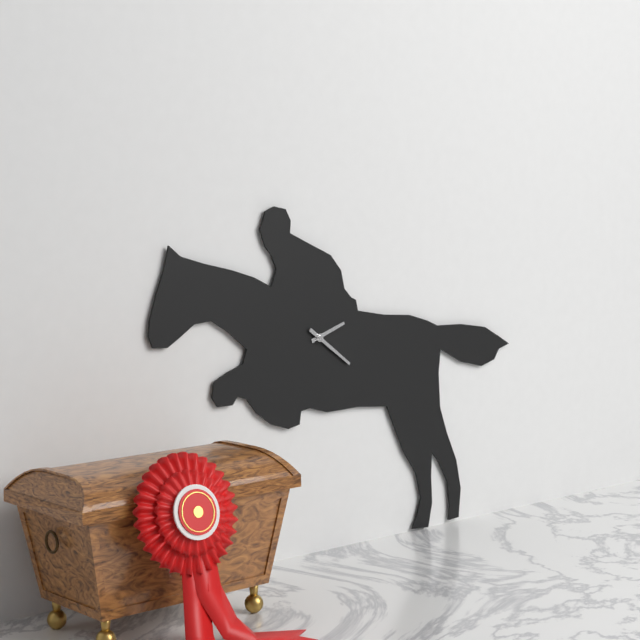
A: 2:21
